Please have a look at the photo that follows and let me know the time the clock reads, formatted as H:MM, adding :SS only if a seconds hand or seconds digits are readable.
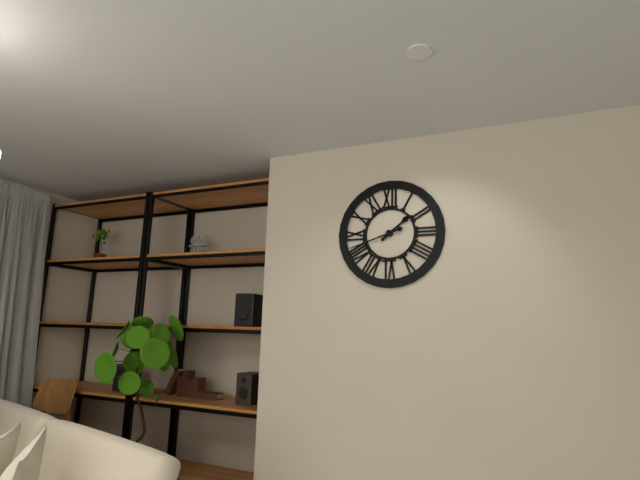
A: 1:42
